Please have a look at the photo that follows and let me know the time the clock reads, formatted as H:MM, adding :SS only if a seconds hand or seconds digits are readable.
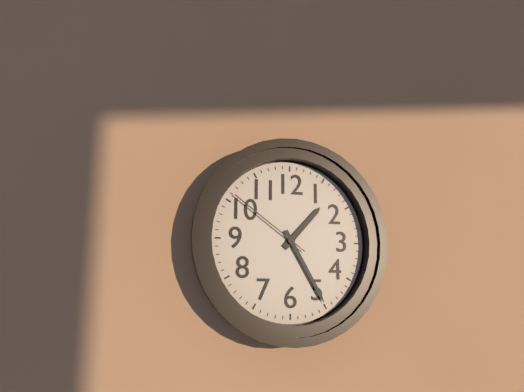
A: 1:25:51
